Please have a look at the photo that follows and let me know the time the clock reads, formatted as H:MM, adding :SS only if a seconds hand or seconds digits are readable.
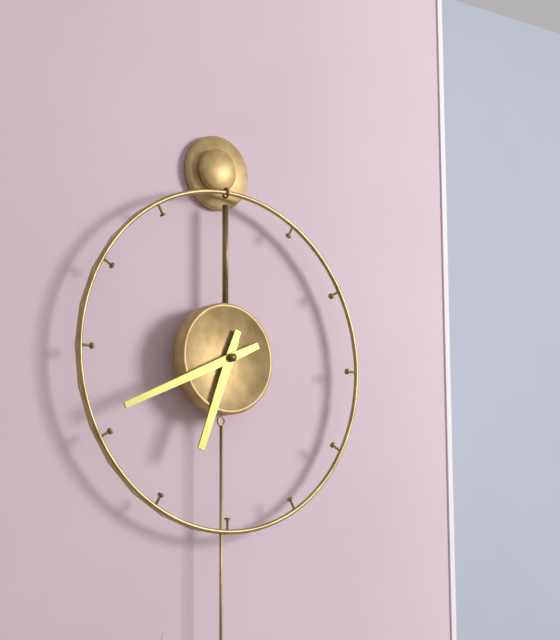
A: 6:41
